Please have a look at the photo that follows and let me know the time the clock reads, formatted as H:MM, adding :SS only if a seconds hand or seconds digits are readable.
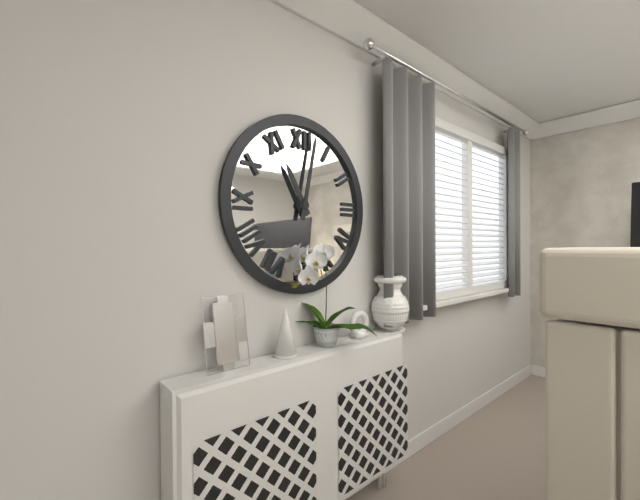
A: 11:02
